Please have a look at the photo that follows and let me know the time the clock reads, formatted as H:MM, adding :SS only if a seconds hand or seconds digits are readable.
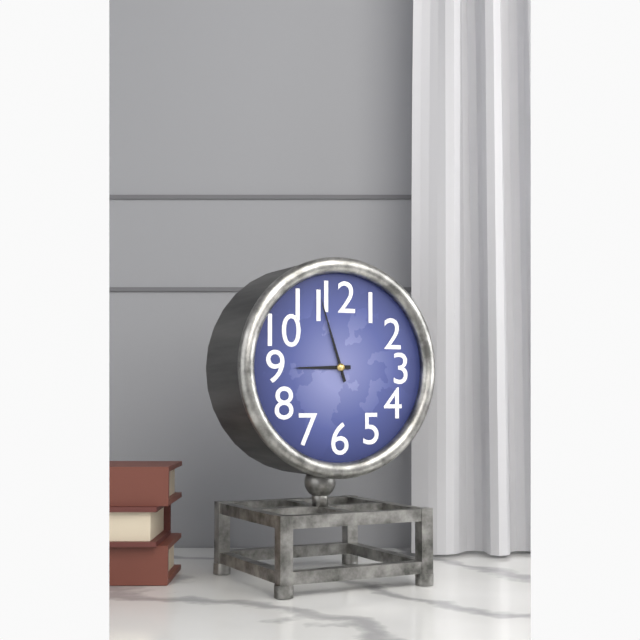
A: 8:57
